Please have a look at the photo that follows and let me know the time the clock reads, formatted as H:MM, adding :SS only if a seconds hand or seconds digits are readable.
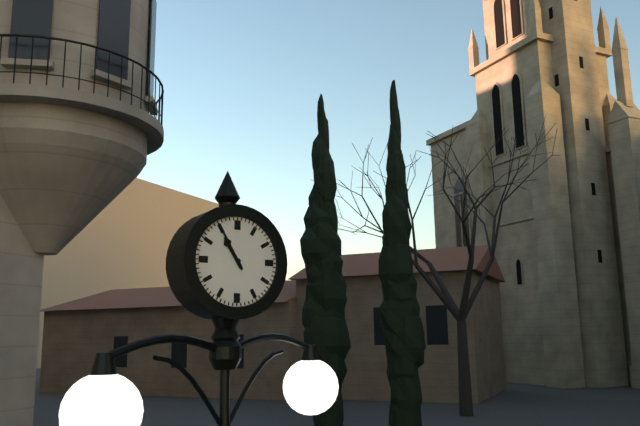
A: 10:55
